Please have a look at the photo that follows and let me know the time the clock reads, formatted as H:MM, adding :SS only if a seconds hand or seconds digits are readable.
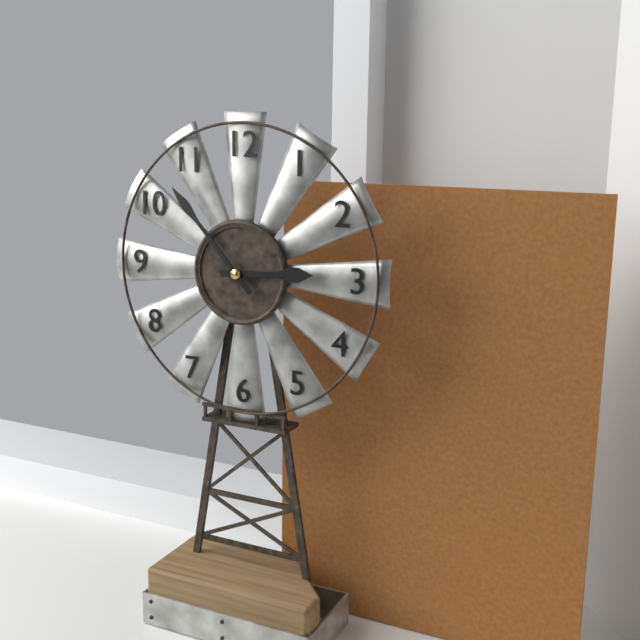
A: 2:53
